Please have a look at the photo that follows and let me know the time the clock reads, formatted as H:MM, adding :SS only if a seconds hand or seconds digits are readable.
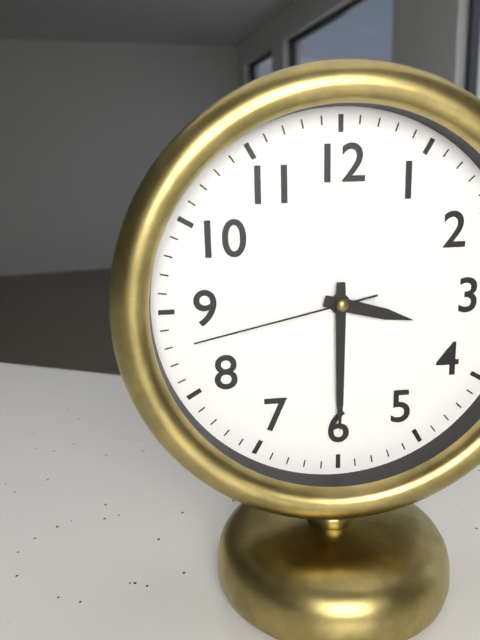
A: 3:30:43
